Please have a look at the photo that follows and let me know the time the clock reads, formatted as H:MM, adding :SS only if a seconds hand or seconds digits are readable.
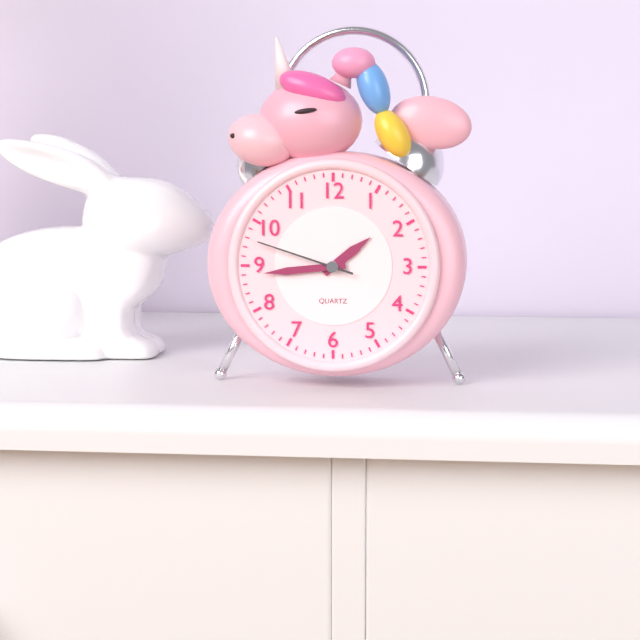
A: 1:44:48
